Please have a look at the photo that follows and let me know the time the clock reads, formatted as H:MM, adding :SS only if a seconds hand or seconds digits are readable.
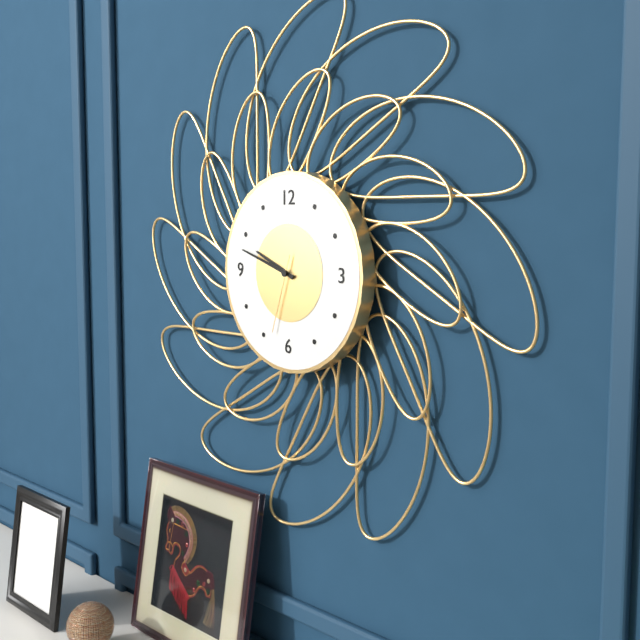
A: 9:48:33
